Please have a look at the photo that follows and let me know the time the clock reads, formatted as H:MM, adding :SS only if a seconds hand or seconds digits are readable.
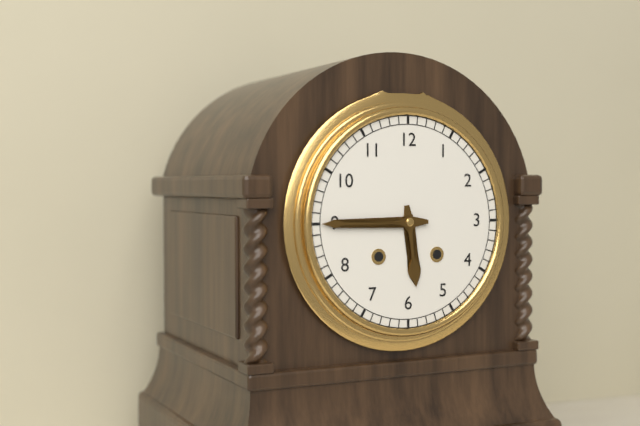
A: 5:45
